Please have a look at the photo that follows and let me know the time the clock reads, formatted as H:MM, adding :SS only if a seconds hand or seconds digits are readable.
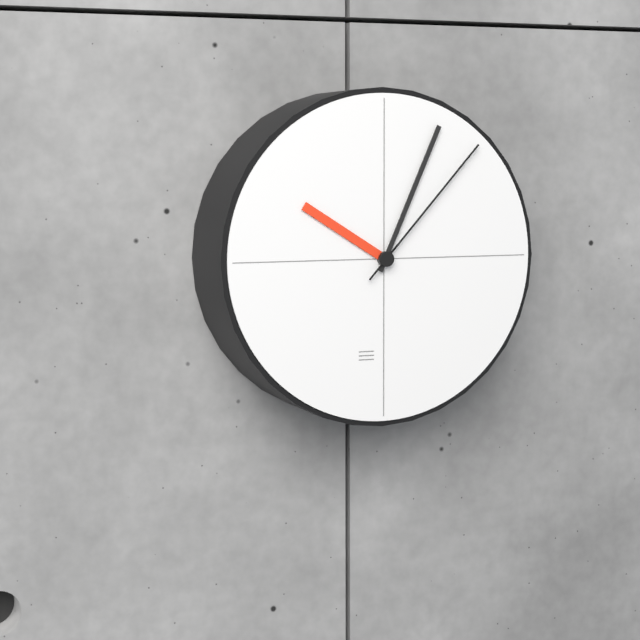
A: 10:04:07
